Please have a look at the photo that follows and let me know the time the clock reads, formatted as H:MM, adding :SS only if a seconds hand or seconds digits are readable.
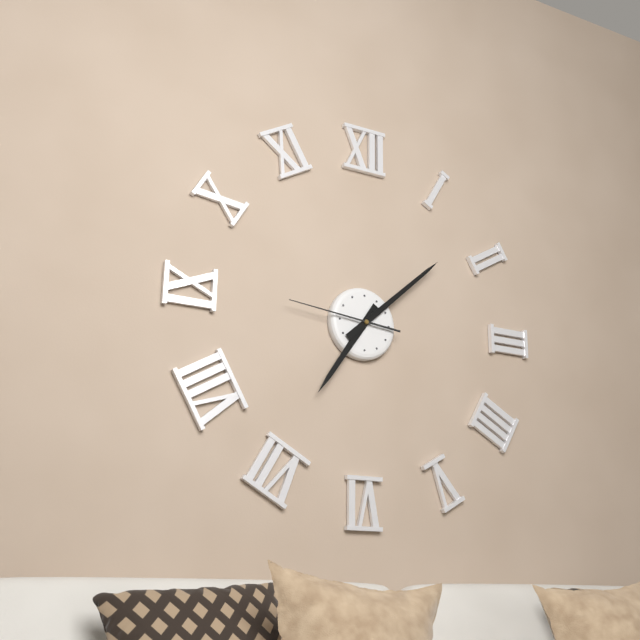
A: 7:08:46
